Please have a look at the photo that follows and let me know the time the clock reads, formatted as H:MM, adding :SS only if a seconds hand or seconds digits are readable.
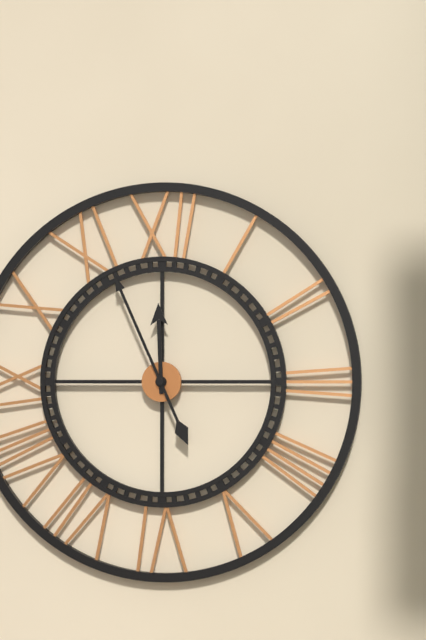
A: 11:56
